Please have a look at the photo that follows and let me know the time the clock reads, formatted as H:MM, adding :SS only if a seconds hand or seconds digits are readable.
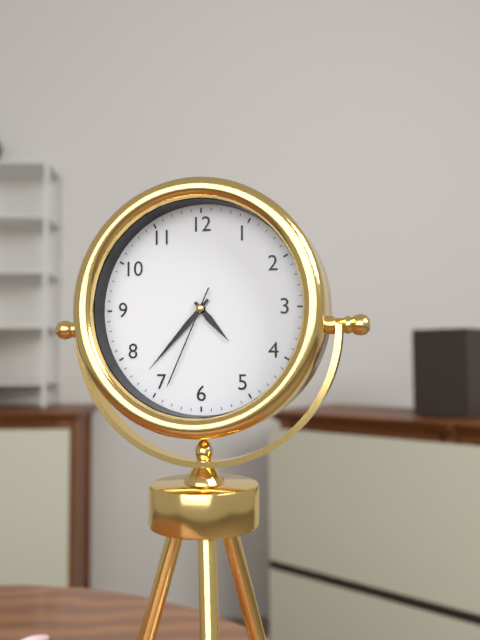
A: 4:37:34
